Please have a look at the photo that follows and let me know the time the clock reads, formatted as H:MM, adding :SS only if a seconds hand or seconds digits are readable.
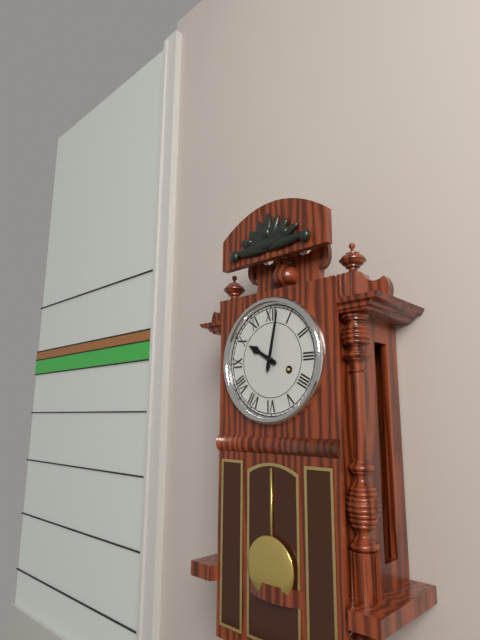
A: 10:02
